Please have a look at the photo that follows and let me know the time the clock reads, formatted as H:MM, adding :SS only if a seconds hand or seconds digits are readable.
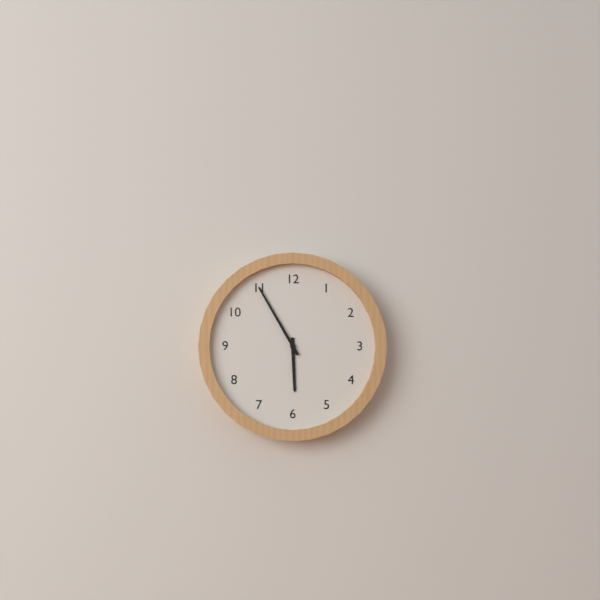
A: 5:55
